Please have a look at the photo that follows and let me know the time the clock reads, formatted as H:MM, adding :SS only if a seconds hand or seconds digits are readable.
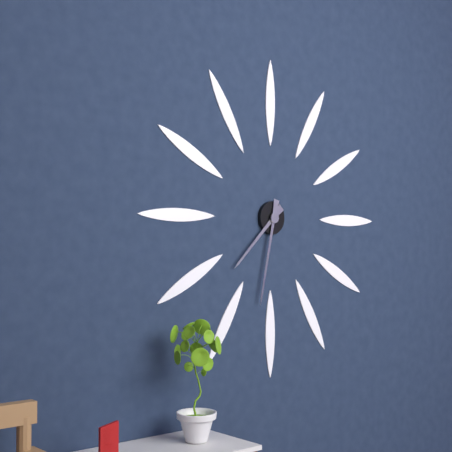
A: 7:32
